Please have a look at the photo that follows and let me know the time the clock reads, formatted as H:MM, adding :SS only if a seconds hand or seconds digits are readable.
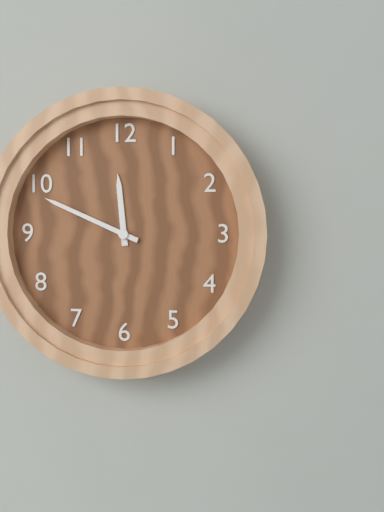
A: 11:49
